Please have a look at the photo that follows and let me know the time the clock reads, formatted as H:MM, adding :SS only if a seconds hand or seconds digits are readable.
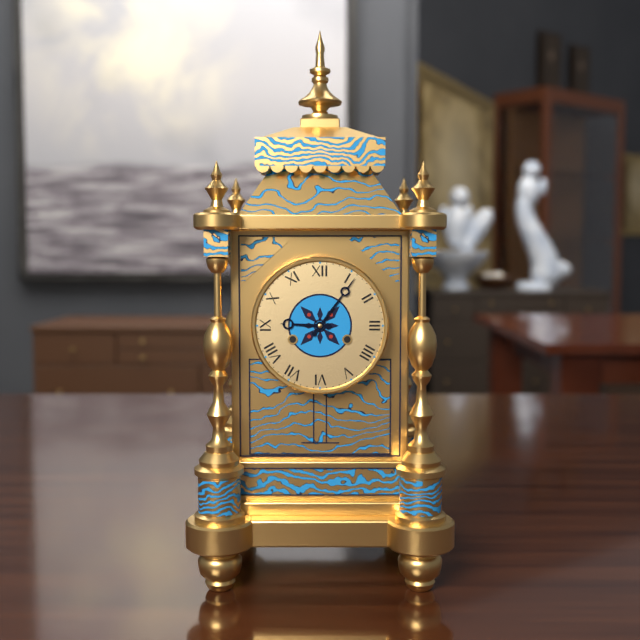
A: 9:06
